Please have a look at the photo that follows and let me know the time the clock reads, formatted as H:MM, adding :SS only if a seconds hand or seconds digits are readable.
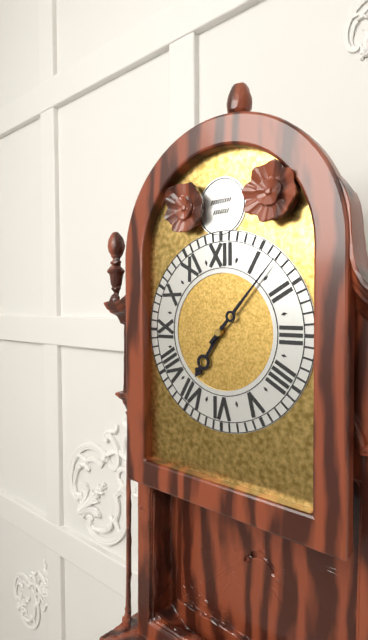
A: 7:07
